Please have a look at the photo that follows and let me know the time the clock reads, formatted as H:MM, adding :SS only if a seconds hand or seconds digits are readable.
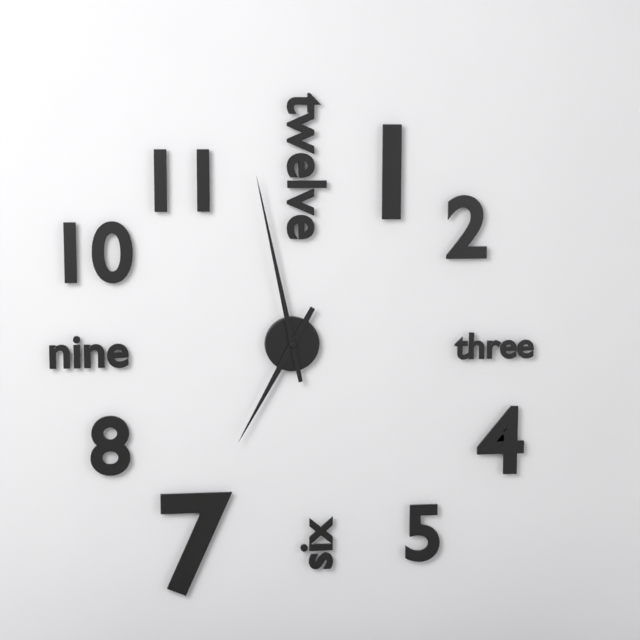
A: 6:58
